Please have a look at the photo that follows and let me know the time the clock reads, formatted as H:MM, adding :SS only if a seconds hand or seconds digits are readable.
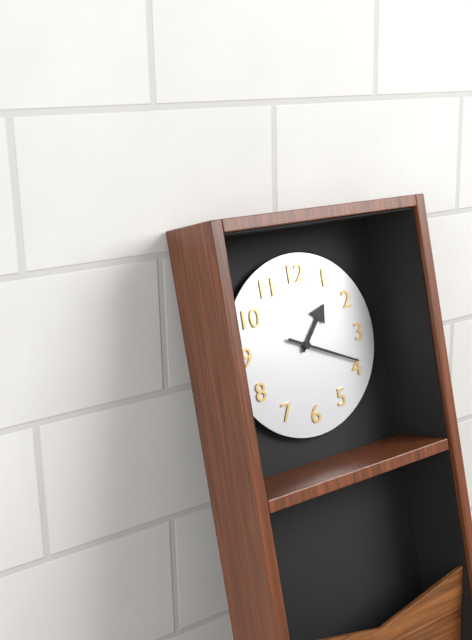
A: 1:19
